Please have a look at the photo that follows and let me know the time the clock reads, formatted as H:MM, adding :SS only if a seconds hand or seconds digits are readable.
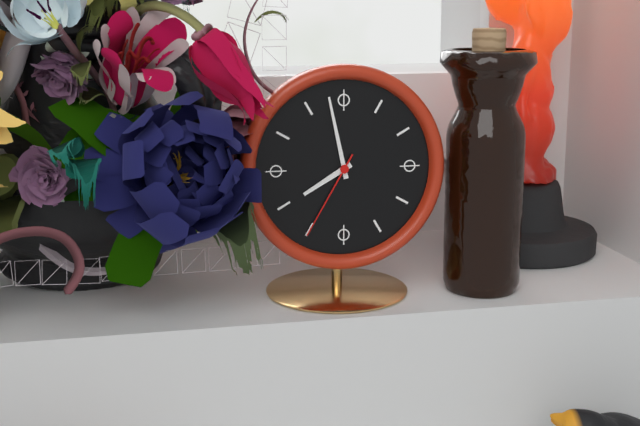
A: 7:58:35
